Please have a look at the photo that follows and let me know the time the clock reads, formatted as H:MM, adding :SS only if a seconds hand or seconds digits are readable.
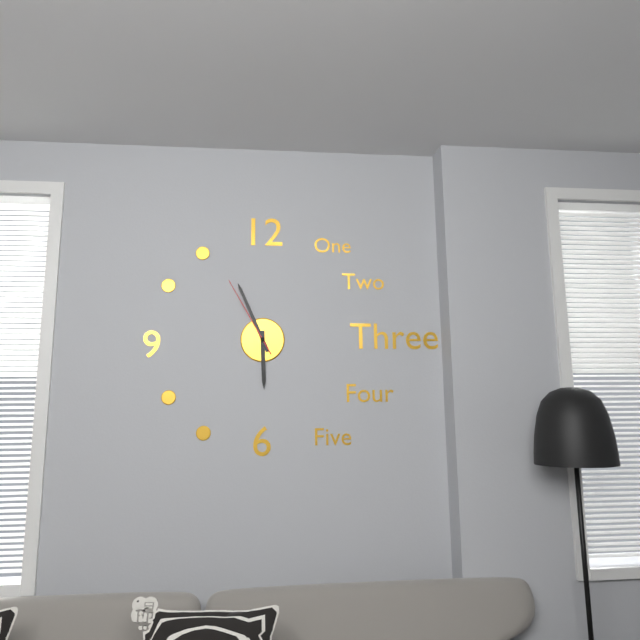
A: 5:56:55
